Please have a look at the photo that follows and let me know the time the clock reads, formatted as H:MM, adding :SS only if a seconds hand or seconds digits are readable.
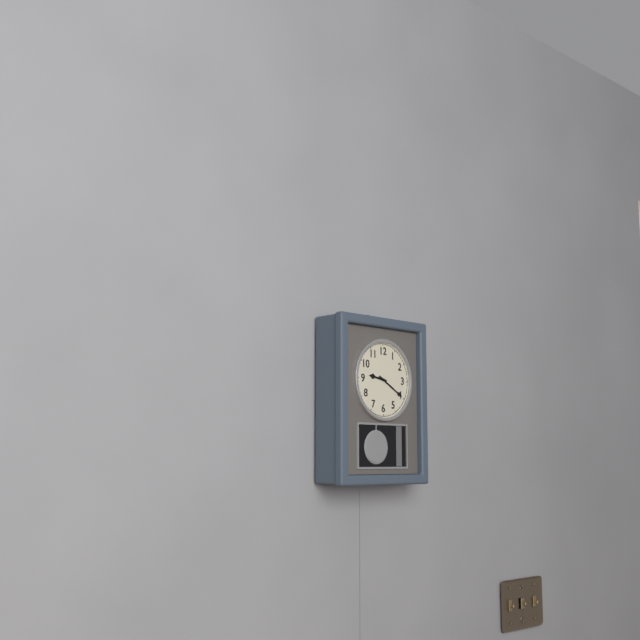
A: 9:20
